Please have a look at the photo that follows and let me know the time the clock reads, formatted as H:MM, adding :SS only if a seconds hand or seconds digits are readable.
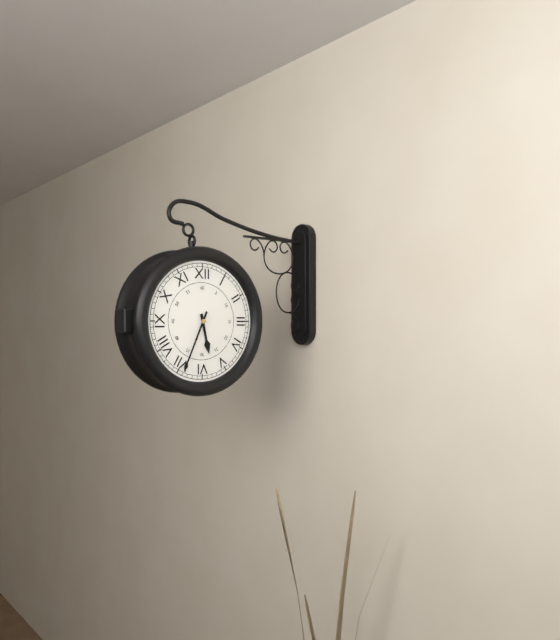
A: 5:34
